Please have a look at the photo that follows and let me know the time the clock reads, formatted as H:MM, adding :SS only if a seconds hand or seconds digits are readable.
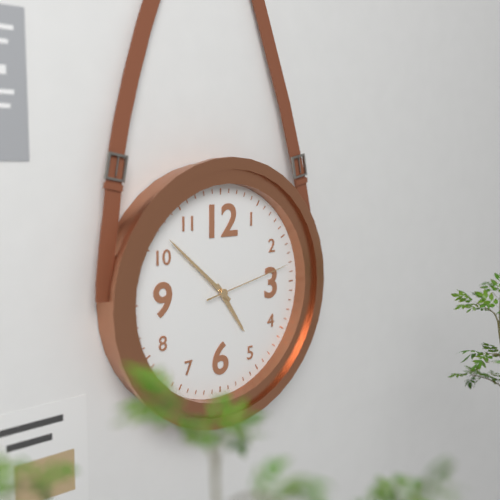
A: 4:52:13
